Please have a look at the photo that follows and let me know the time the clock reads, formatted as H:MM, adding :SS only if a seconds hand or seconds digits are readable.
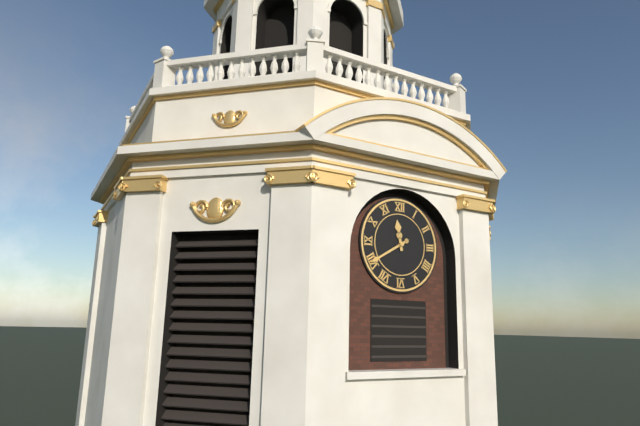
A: 11:40
